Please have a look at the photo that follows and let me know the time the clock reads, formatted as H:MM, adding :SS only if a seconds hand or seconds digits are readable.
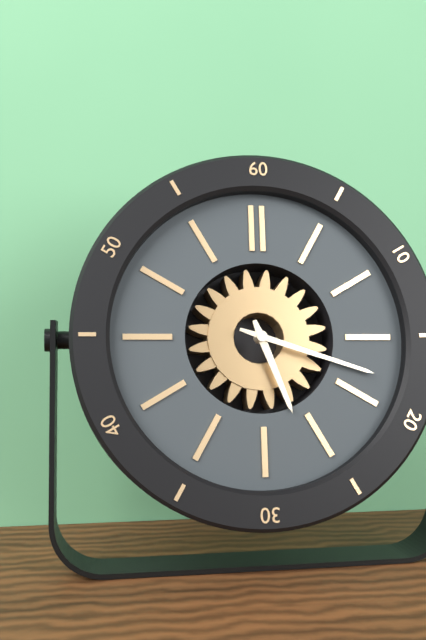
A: 5:18
